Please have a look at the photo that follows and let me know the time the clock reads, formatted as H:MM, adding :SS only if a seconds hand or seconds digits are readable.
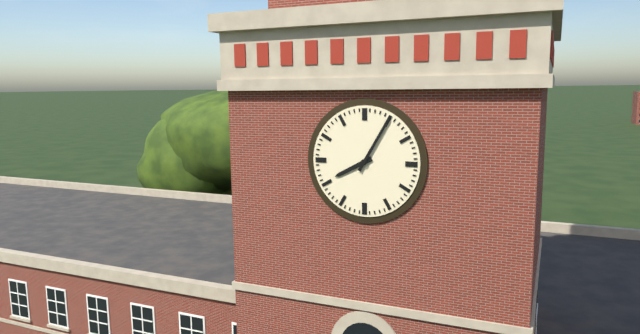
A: 8:05
